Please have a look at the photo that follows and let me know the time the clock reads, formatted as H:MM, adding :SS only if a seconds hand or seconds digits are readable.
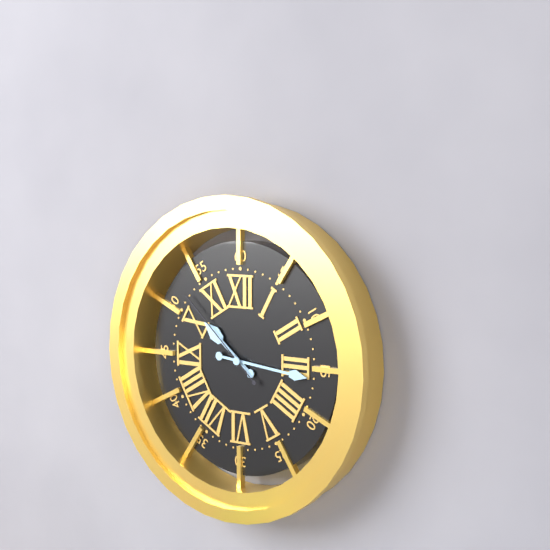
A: 10:16:52
